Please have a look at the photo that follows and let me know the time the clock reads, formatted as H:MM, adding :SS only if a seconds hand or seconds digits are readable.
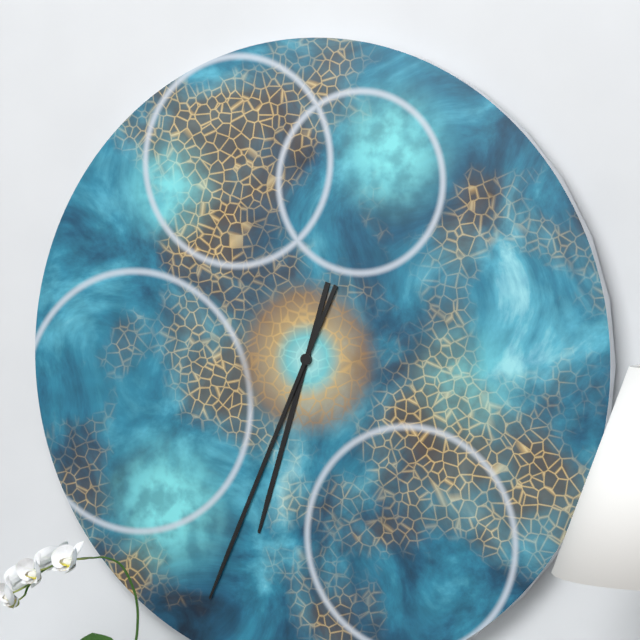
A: 6:34
